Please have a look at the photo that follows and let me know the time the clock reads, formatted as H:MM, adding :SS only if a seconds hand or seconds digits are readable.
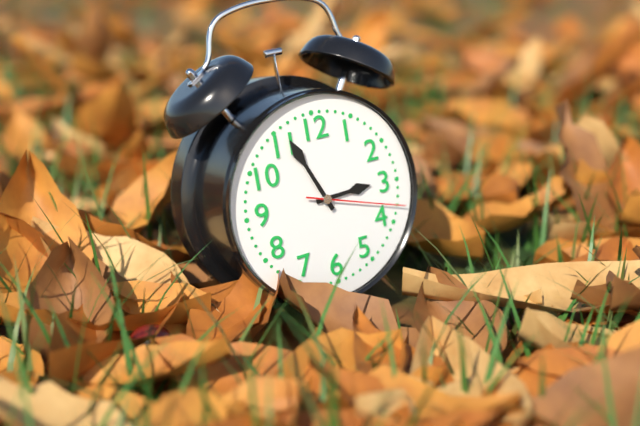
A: 2:56:18
